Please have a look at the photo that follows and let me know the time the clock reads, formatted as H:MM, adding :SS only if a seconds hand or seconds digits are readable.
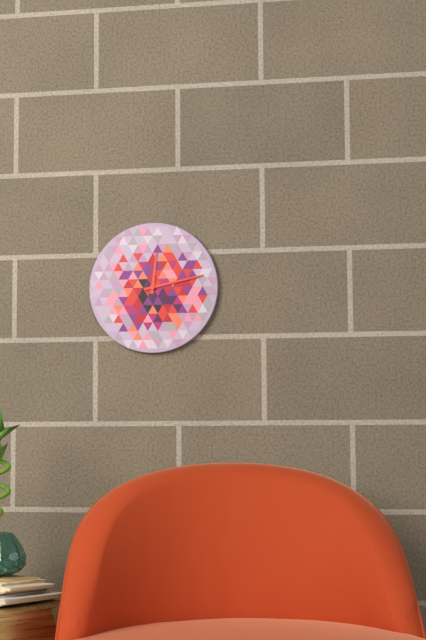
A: 12:13
